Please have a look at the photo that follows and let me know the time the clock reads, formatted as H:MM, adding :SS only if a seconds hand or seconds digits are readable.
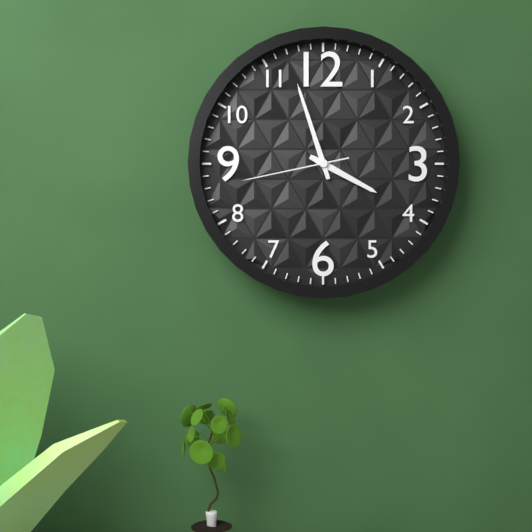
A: 3:57:43
